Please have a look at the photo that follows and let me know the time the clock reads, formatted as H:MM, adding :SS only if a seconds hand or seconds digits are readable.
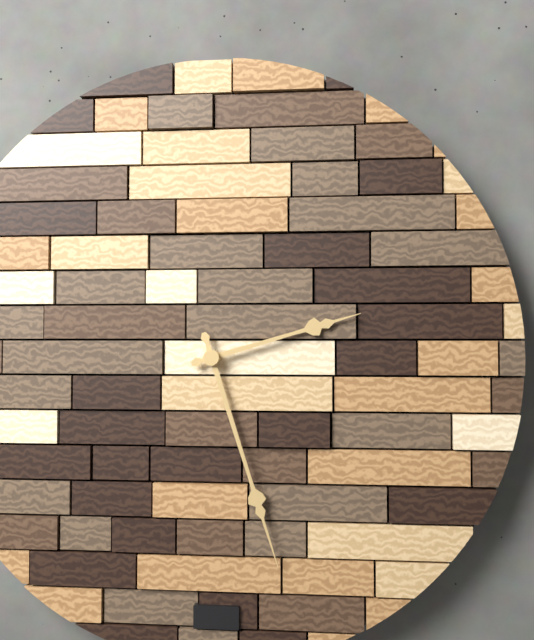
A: 2:27
